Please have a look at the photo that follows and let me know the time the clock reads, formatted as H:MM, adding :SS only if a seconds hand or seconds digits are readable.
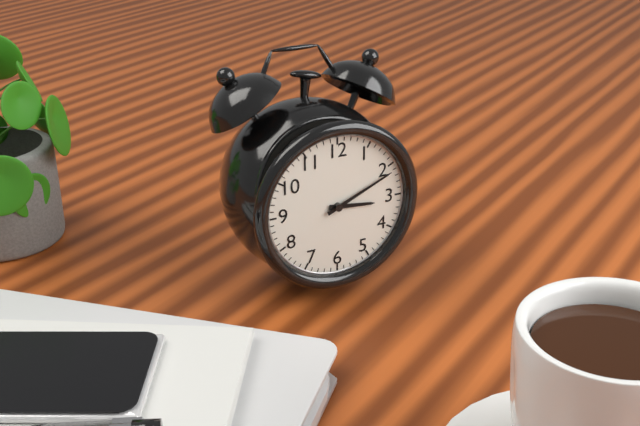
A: 3:11
